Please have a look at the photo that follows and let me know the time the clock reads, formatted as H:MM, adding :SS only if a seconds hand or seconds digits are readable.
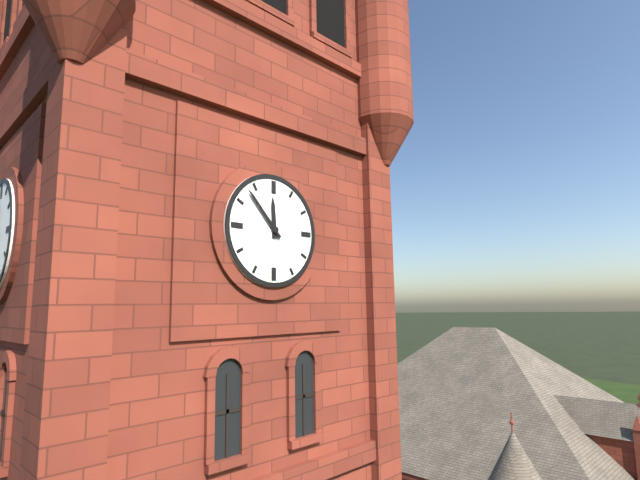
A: 11:53
